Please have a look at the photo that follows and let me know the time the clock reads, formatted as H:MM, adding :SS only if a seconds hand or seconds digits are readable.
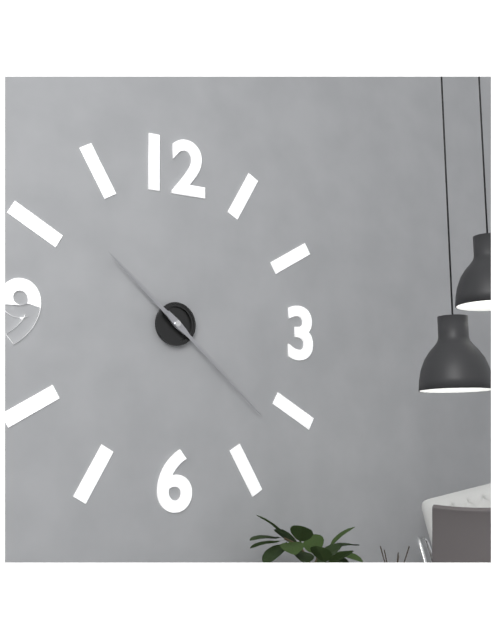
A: 10:22
